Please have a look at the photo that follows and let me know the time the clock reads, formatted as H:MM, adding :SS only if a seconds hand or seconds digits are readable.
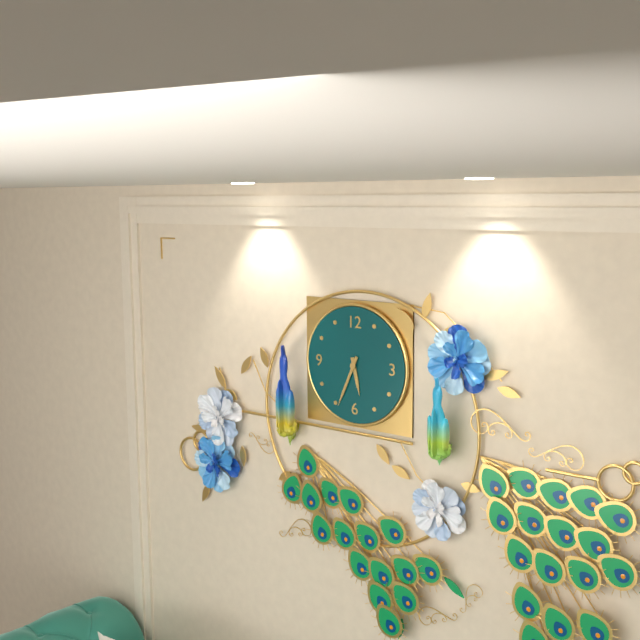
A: 5:34
